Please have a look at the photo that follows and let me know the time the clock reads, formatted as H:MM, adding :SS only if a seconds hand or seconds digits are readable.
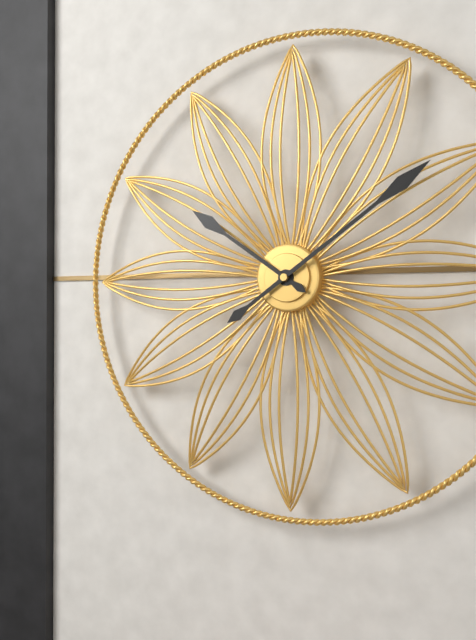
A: 10:09
